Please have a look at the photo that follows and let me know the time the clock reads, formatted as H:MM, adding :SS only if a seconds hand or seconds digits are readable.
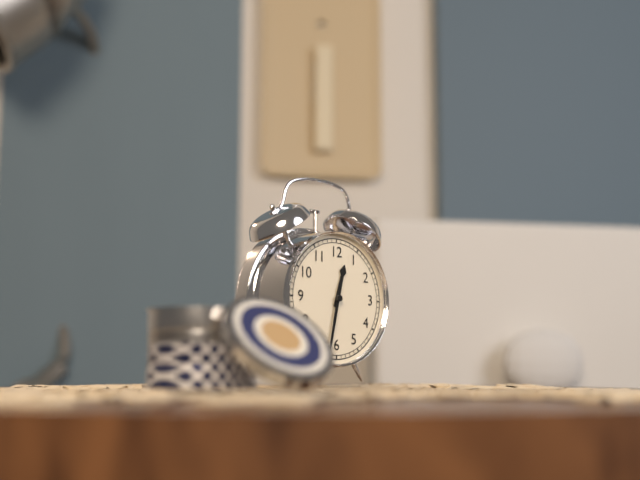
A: 12:32
